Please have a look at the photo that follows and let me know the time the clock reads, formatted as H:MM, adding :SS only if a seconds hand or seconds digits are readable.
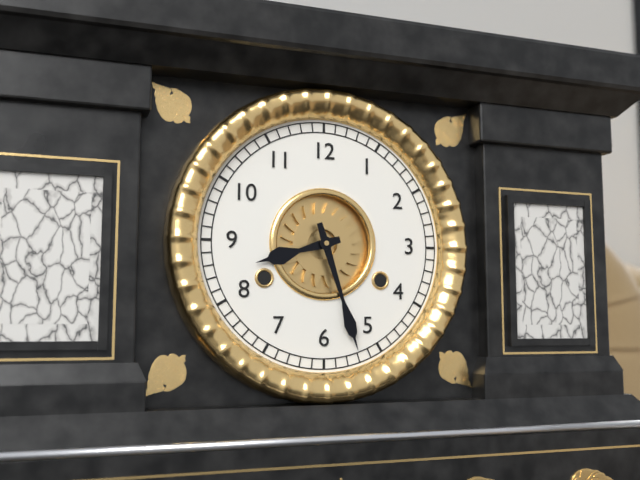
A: 8:27
